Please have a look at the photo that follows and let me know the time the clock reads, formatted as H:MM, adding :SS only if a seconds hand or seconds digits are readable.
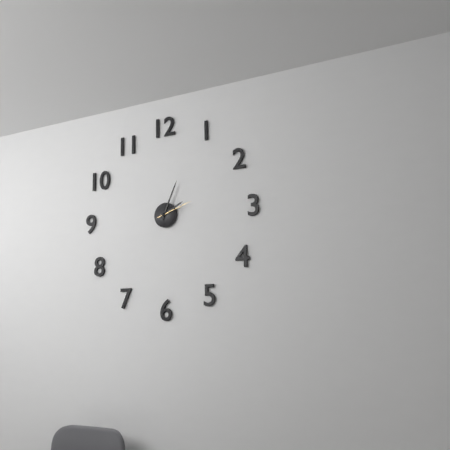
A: 2:04
